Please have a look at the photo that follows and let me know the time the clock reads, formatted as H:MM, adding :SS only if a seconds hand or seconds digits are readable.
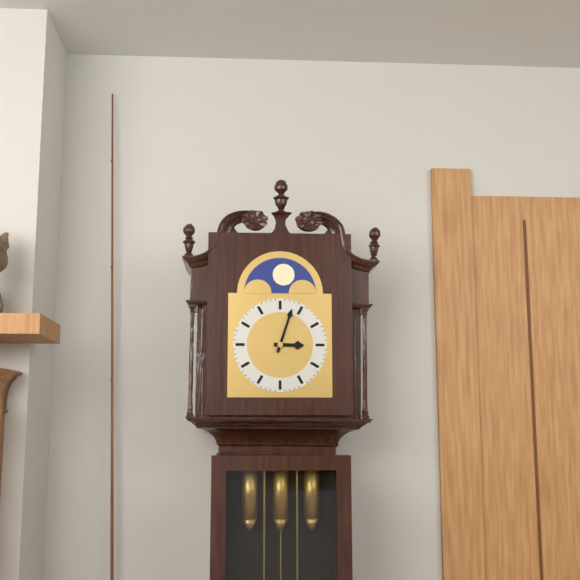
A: 3:03
